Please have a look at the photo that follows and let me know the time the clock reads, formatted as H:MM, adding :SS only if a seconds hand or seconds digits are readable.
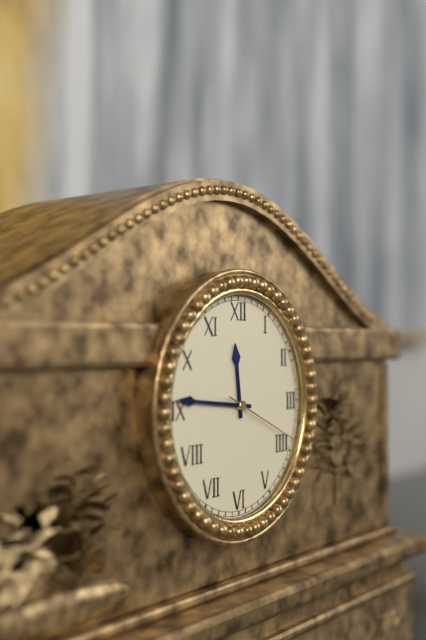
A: 11:46:19
